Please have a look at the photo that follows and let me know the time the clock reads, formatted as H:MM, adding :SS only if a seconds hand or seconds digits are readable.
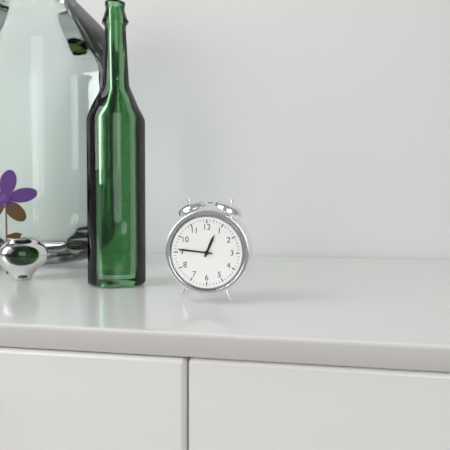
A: 12:46
